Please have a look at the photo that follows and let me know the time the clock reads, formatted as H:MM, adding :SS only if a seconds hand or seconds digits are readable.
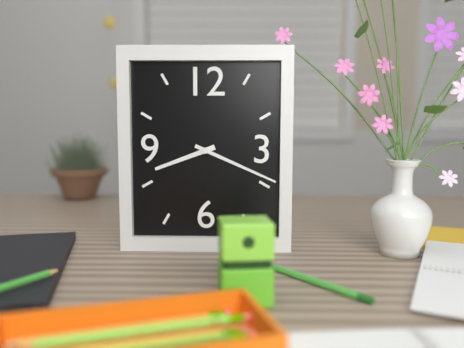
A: 8:19
